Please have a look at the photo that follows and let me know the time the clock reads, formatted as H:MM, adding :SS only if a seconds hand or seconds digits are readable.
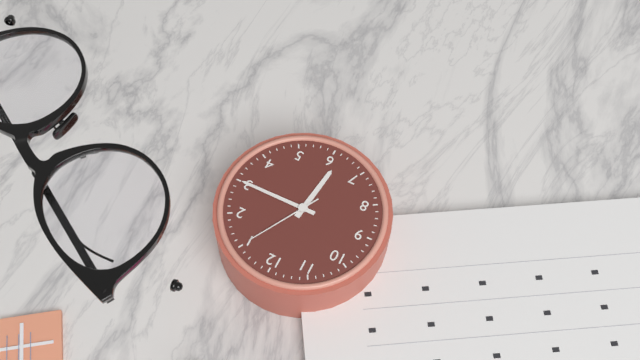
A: 6:15:05
